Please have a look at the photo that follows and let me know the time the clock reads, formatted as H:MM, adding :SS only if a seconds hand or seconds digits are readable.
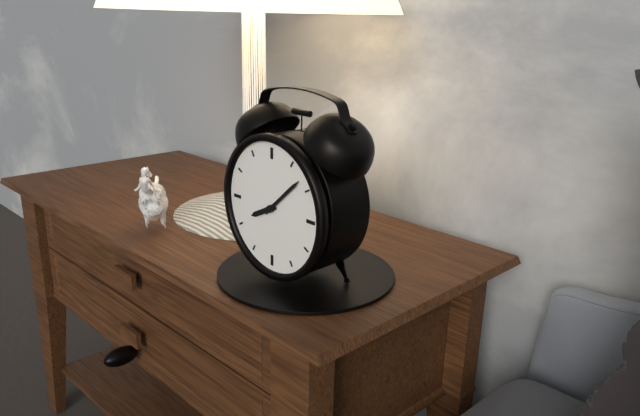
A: 8:08
